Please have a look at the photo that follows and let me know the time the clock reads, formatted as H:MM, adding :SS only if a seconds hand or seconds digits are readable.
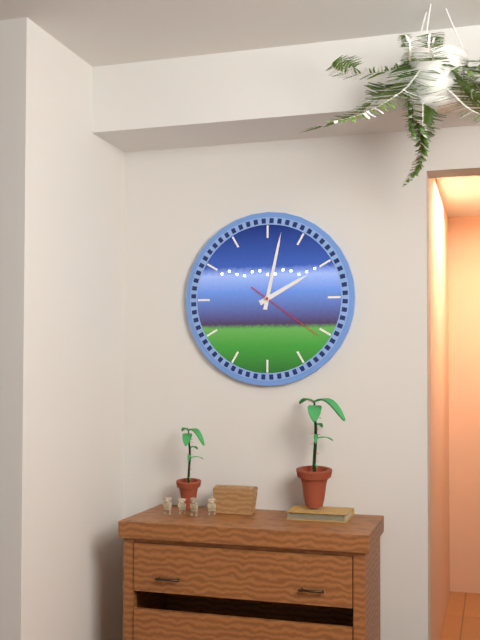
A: 2:02:21
